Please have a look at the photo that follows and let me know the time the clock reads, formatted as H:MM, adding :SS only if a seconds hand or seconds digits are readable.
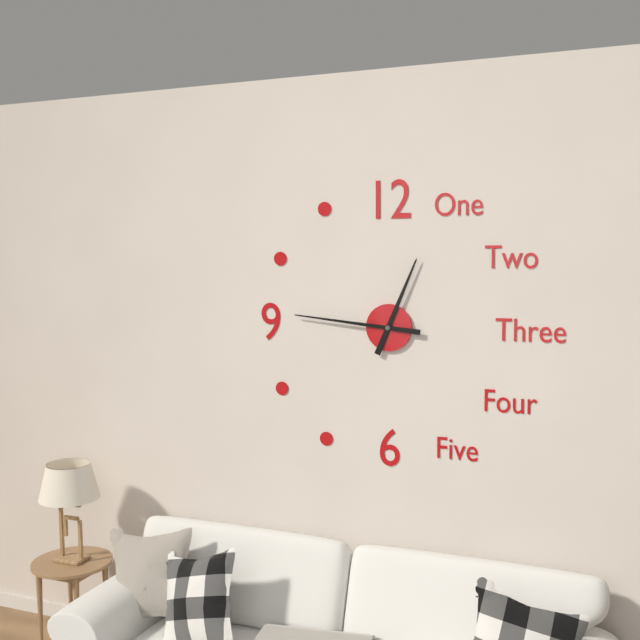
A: 12:46
